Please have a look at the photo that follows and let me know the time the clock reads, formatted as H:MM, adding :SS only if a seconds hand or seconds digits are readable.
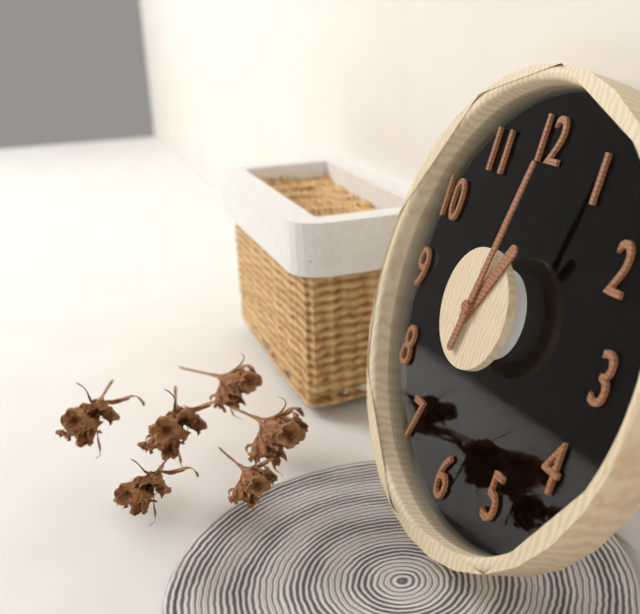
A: 1:02
